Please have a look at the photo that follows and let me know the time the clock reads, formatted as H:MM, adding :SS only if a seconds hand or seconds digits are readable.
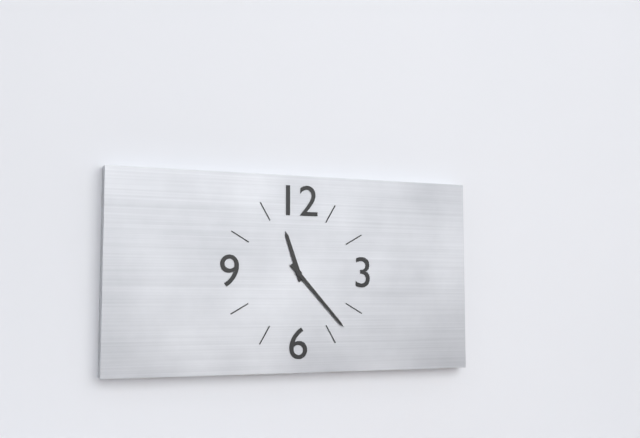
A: 11:23
